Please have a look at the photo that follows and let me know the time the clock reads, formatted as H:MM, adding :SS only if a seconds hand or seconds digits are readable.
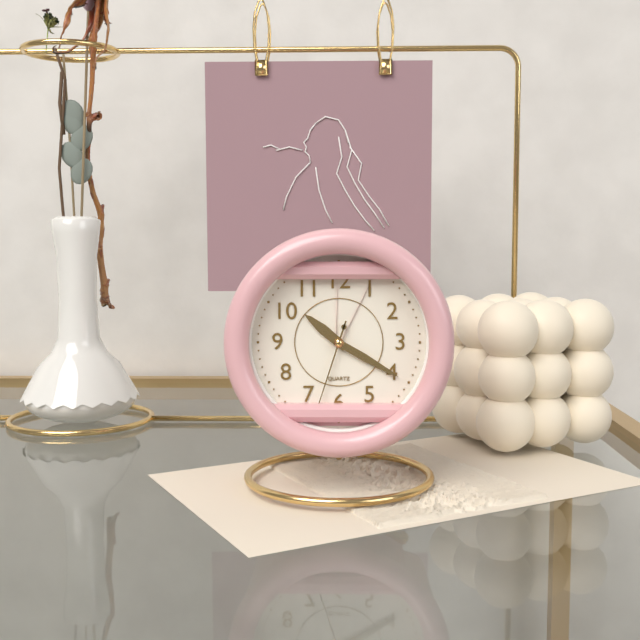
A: 10:20:33
